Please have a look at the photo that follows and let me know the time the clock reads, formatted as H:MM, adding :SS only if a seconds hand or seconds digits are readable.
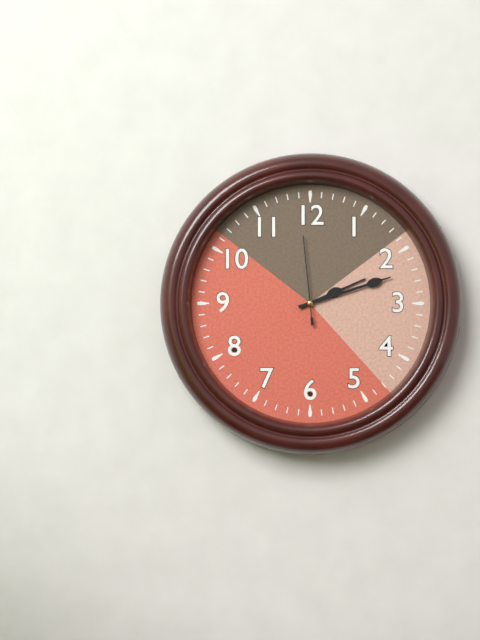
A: 2:12:59
